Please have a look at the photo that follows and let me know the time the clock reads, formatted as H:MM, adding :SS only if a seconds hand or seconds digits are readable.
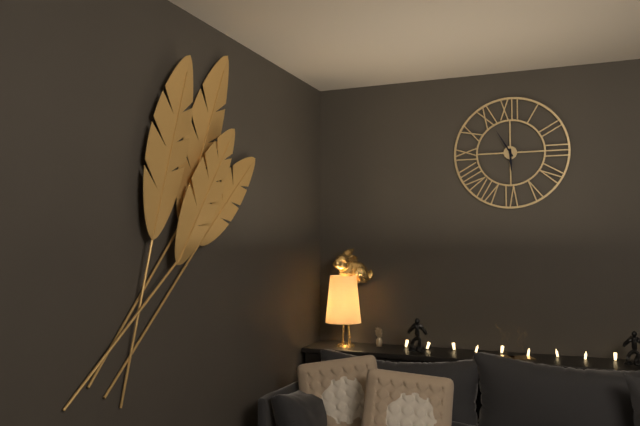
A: 5:55
